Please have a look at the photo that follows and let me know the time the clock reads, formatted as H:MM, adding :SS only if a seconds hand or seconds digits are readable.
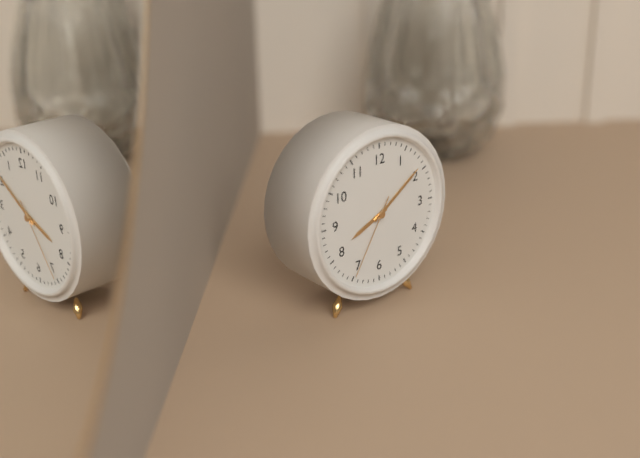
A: 8:09:35
